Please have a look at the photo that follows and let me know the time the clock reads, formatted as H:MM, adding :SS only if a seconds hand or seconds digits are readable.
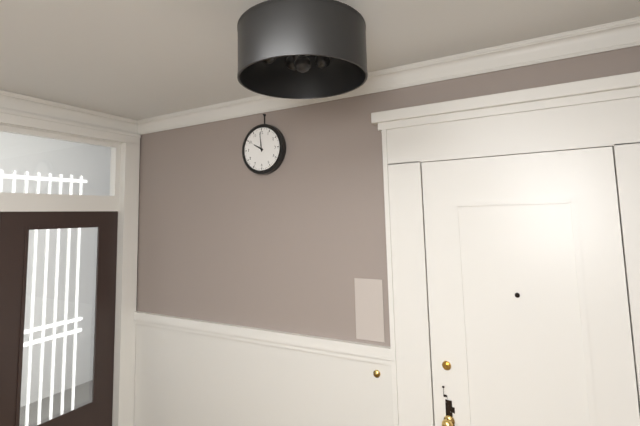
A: 9:59
